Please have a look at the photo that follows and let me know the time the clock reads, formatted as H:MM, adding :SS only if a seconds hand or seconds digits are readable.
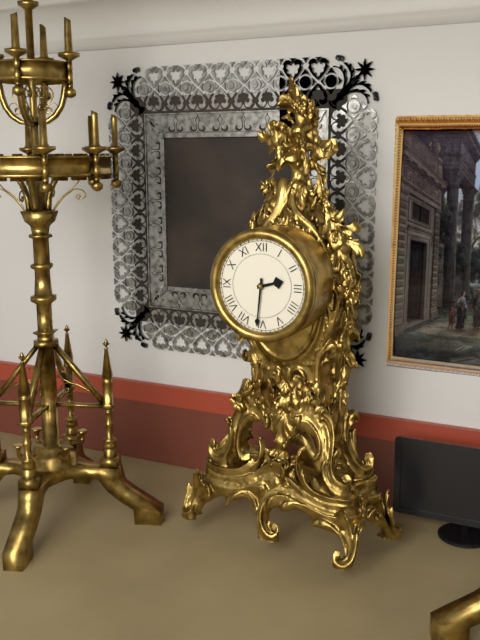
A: 2:31
